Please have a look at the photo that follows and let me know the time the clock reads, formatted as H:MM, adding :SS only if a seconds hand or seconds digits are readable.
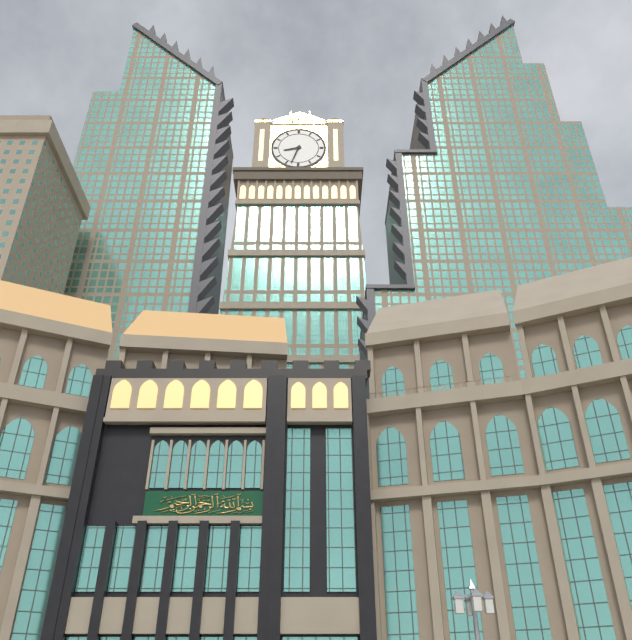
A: 8:33
